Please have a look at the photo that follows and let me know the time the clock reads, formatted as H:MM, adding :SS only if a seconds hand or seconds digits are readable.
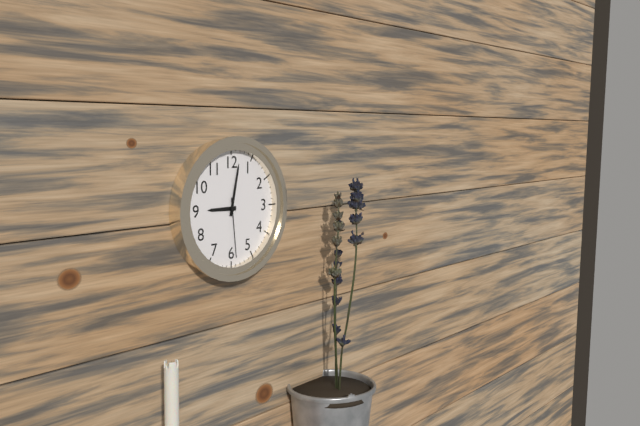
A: 9:02:29
